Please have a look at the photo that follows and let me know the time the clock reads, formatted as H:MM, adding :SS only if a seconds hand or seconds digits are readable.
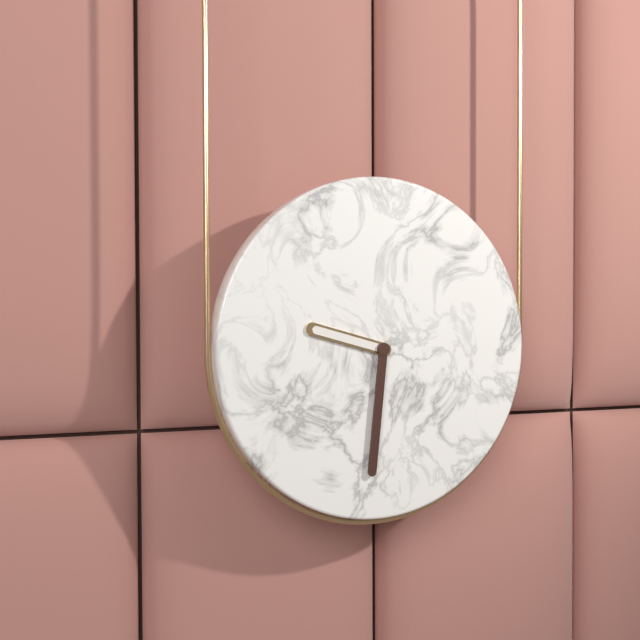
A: 9:31
